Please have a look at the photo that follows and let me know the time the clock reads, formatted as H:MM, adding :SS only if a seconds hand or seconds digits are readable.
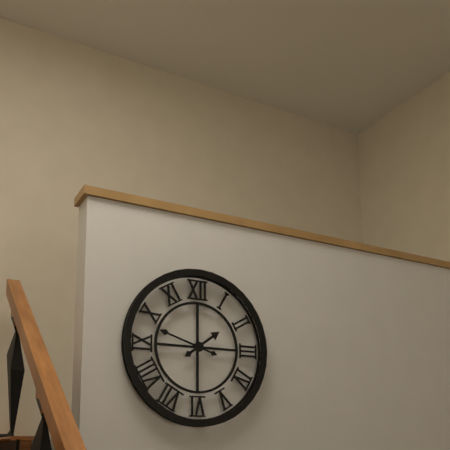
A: 1:48
